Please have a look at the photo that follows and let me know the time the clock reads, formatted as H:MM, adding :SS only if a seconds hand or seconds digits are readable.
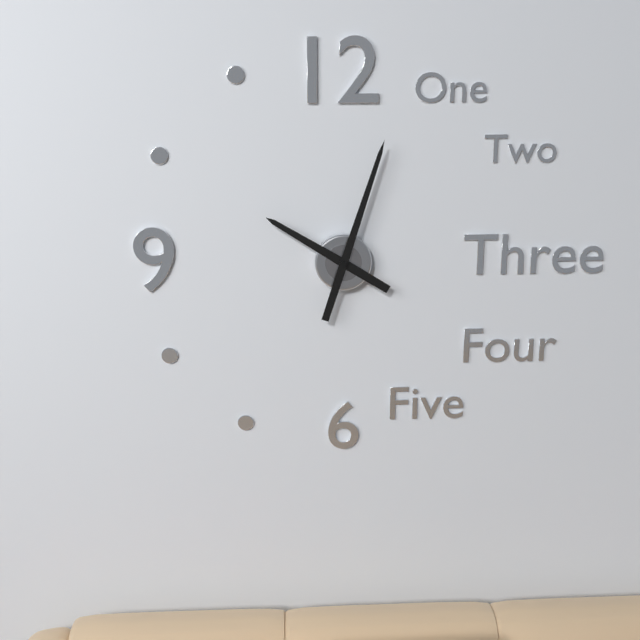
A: 10:03
